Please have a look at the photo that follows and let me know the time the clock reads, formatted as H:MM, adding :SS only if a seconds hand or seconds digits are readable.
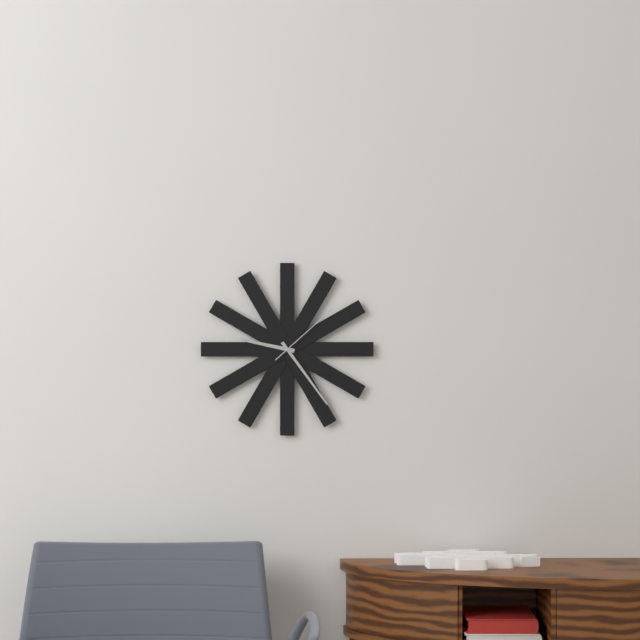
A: 9:24:08
